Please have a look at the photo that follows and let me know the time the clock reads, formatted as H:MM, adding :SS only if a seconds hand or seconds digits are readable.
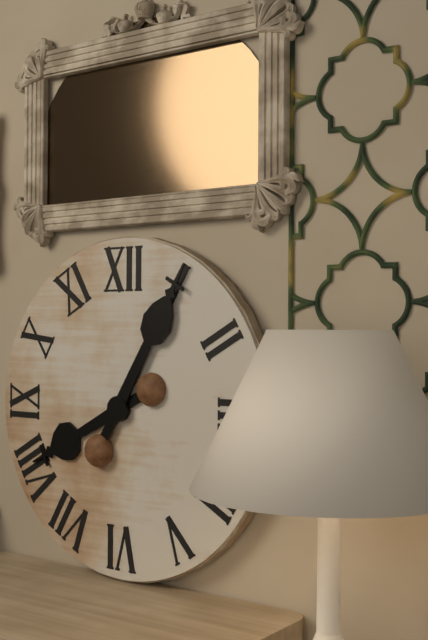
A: 8:05
